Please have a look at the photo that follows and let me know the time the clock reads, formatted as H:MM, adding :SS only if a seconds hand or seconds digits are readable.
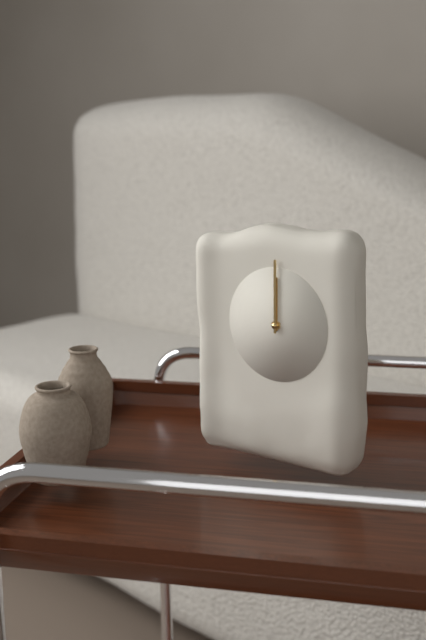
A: 12:00
